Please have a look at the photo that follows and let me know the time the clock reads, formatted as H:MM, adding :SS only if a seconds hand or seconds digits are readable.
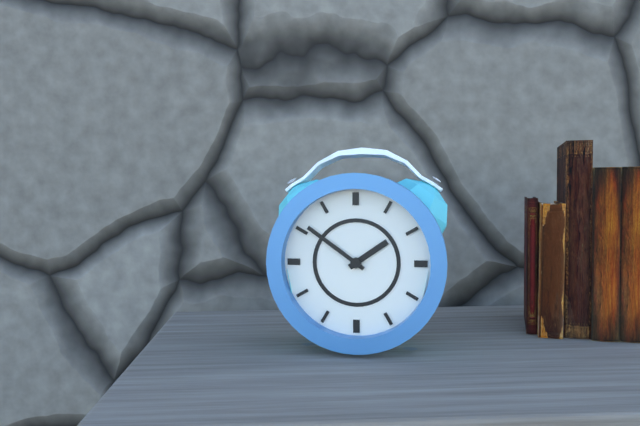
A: 1:51
